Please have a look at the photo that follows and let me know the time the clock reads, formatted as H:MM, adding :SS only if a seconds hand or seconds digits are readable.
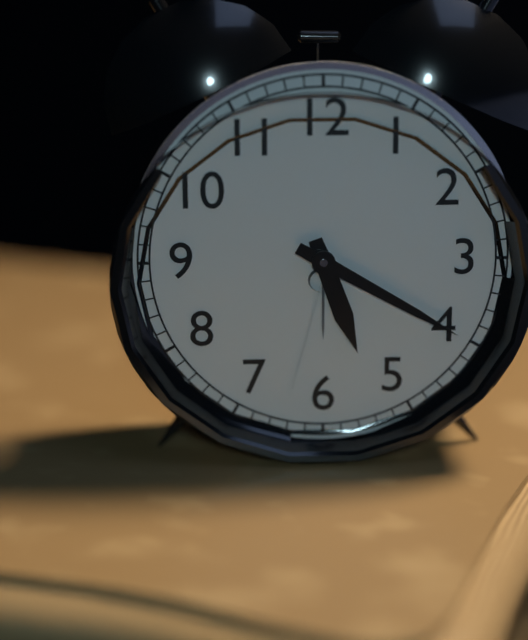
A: 5:20
